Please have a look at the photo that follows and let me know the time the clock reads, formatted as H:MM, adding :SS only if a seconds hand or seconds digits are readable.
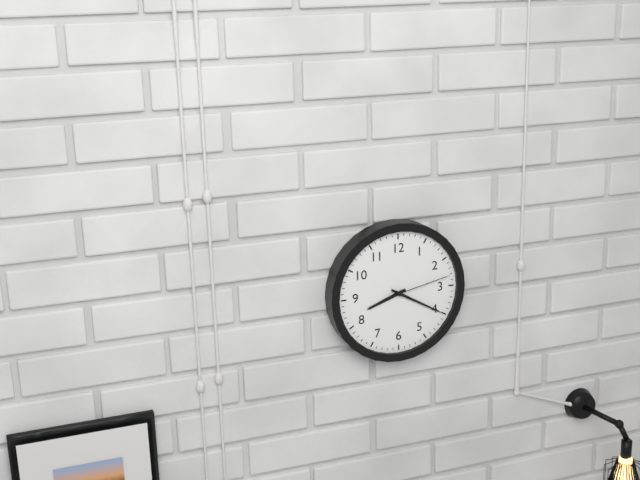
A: 8:20:13
